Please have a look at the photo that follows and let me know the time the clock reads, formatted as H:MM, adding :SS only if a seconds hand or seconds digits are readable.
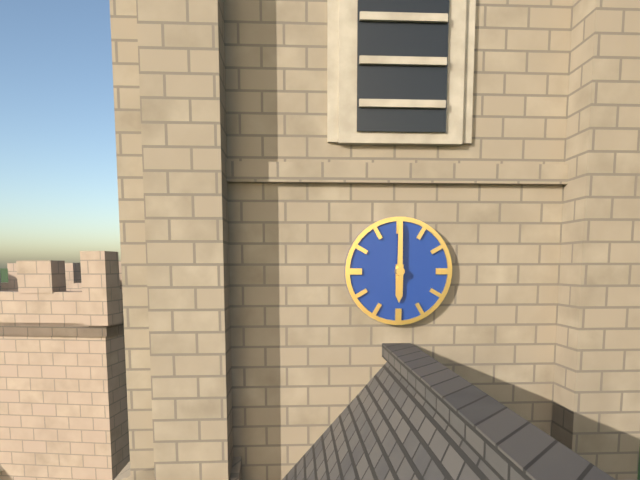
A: 6:00
